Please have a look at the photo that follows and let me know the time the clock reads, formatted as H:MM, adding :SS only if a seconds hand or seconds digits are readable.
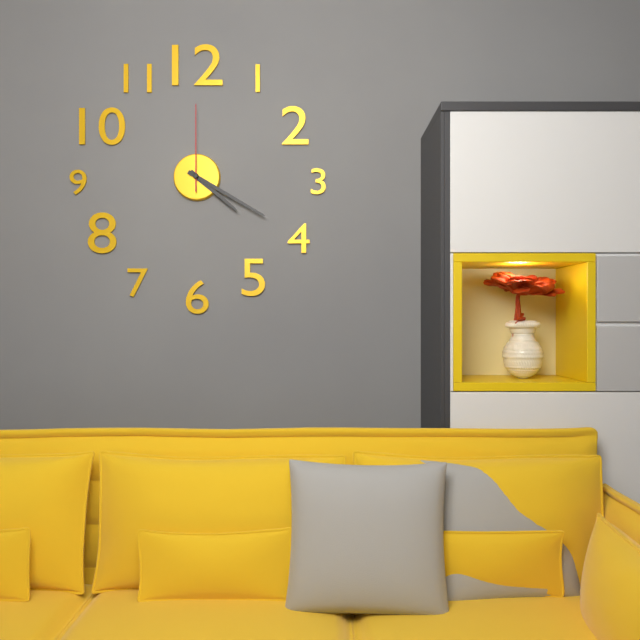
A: 4:20:00
